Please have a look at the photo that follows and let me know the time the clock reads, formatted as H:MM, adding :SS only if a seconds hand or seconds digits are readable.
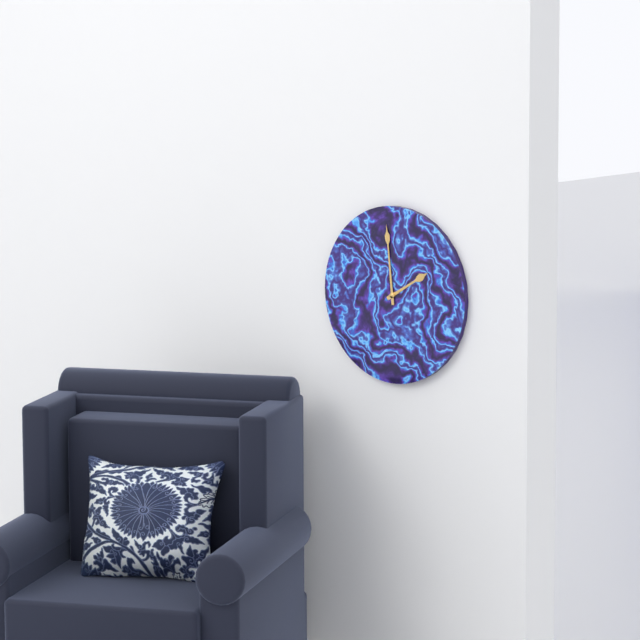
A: 1:59
